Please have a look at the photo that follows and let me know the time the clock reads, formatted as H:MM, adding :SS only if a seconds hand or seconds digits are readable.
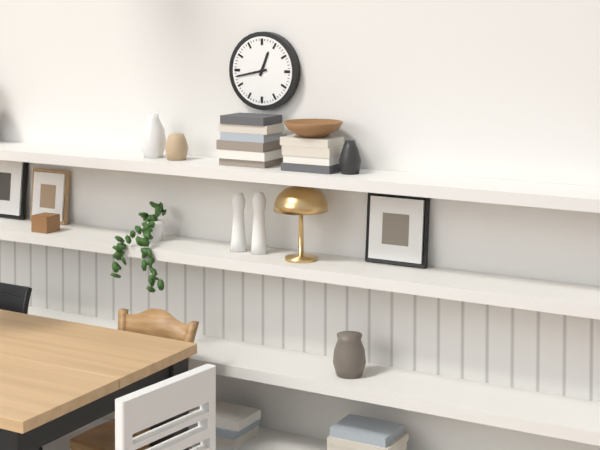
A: 12:43
